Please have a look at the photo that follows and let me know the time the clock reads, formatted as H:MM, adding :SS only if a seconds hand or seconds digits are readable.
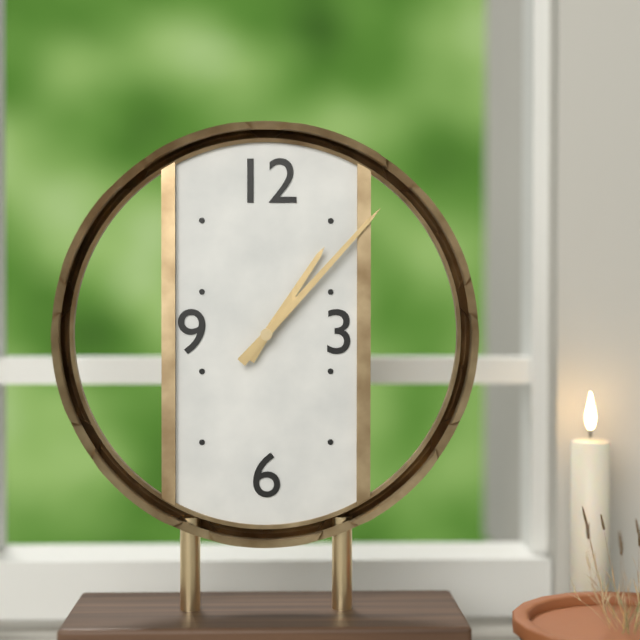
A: 1:07
